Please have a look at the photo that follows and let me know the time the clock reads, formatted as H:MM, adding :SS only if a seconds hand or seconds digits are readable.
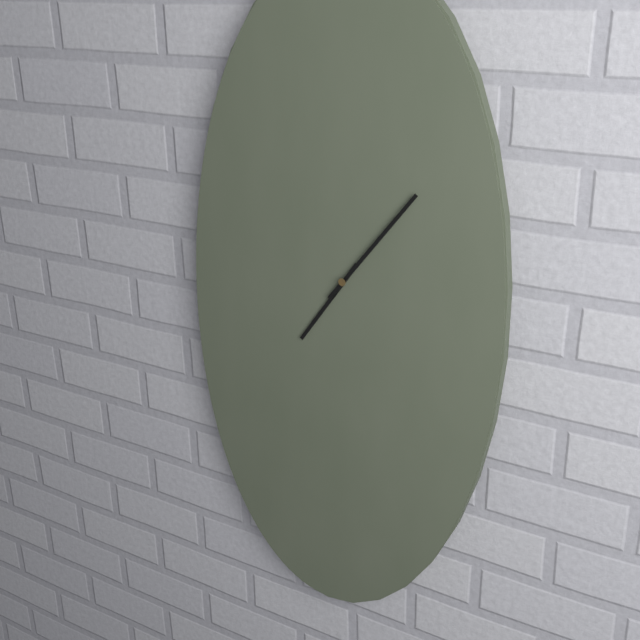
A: 7:06
